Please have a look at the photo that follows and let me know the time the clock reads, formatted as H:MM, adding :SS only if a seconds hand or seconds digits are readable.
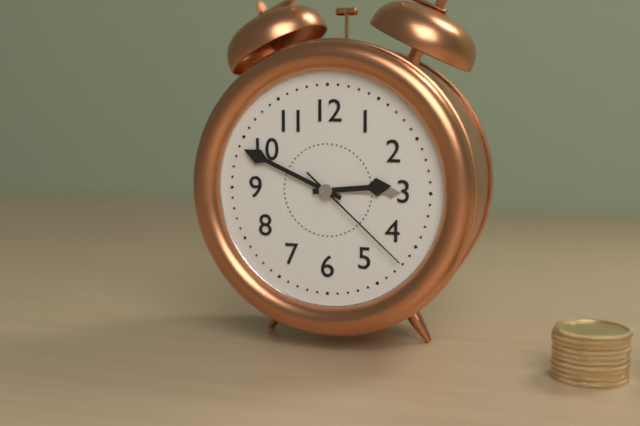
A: 2:49:22
